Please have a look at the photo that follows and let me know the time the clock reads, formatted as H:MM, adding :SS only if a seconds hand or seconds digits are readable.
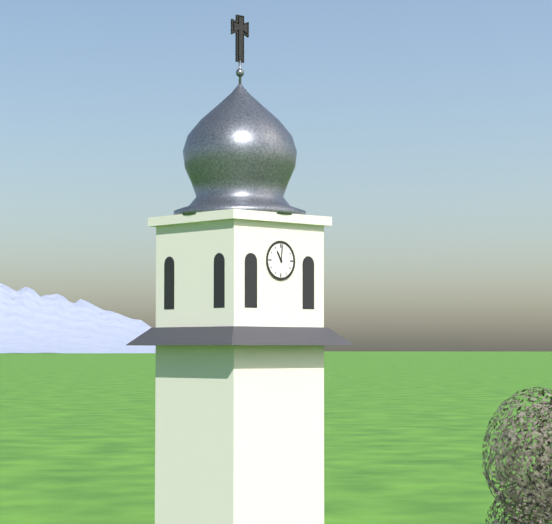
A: 11:01
